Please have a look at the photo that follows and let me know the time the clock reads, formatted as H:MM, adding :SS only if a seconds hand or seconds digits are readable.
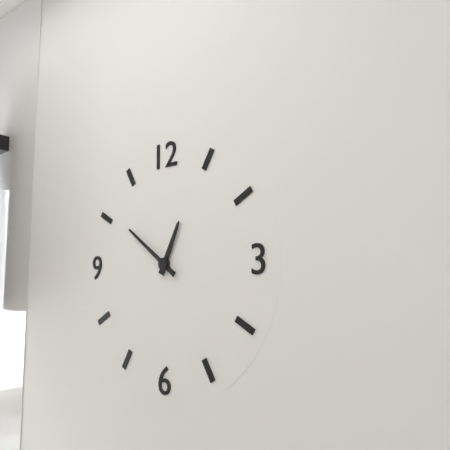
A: 12:51
